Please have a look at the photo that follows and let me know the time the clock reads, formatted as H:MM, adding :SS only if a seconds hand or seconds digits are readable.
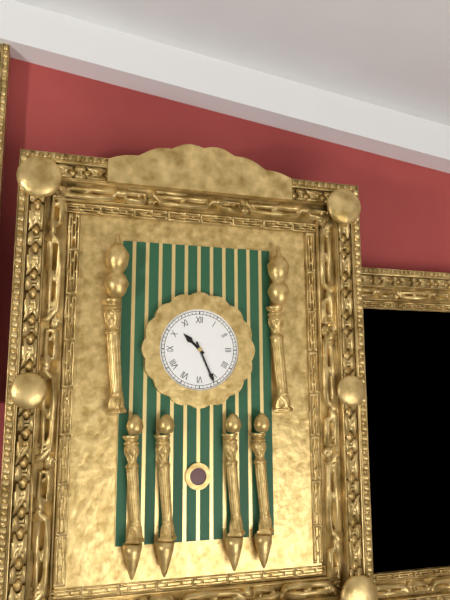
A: 10:26
